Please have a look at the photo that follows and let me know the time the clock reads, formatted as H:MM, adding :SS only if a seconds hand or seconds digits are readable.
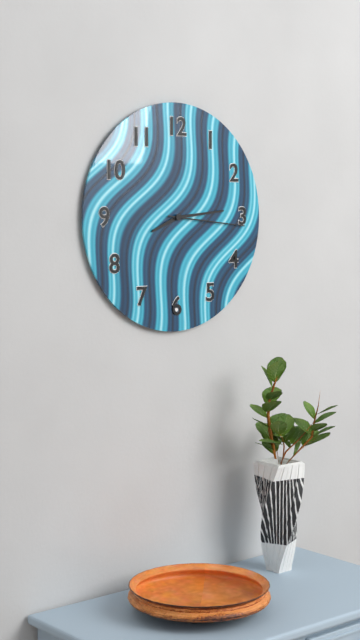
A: 8:14:16
